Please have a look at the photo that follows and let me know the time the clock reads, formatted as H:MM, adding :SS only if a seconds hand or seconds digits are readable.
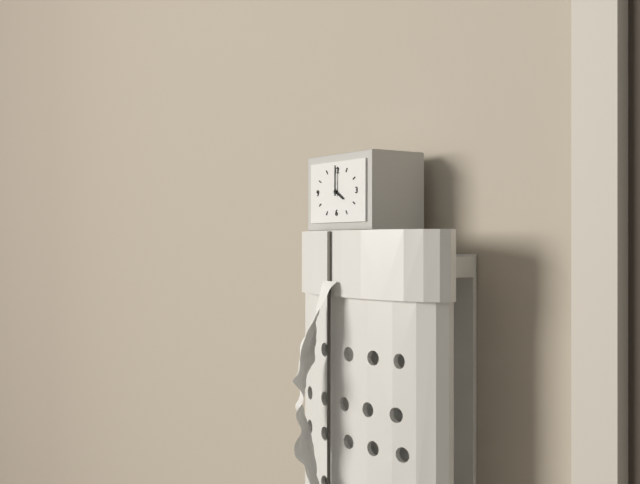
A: 4:00
